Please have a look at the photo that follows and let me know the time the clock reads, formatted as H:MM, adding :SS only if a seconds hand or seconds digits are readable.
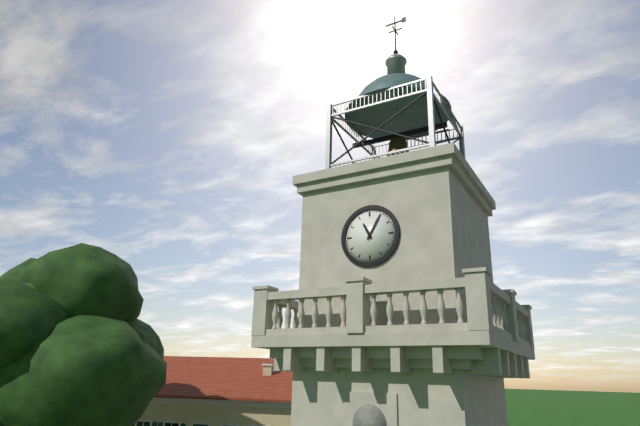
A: 11:05
